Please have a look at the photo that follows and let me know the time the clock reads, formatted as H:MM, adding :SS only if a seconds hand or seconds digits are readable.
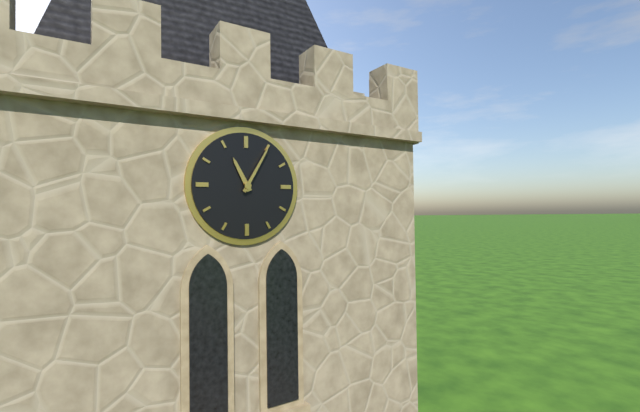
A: 11:05
